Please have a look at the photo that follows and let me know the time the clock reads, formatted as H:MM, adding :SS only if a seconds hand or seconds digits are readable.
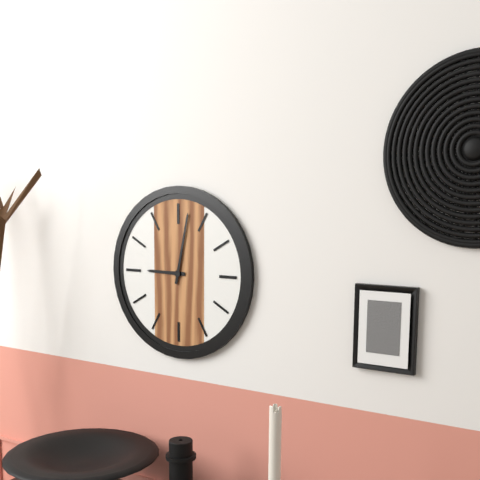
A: 9:02
